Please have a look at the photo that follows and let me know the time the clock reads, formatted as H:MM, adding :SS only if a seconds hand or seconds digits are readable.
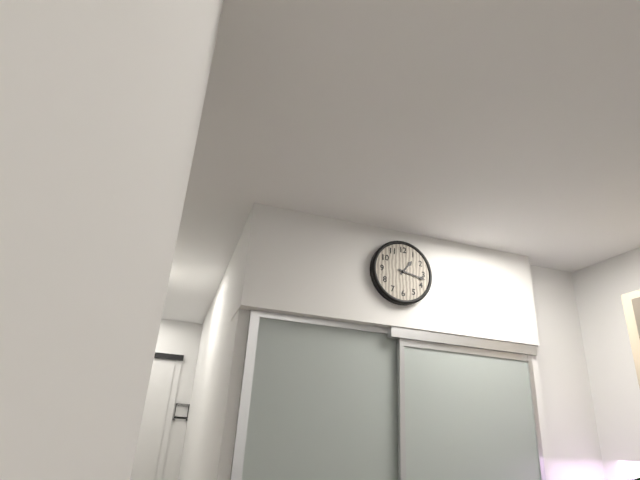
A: 1:17
